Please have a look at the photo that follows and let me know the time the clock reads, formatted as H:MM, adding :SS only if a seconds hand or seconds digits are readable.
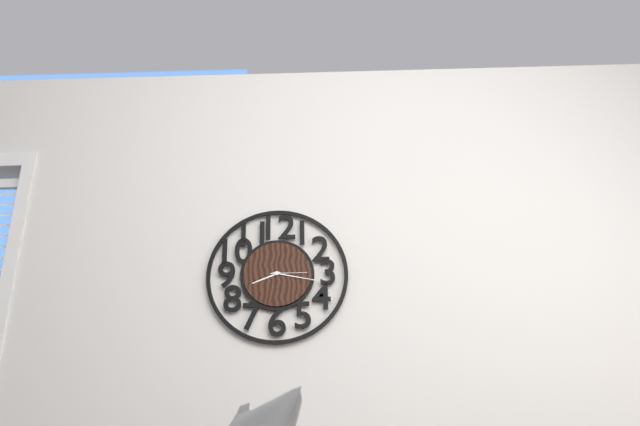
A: 8:17
